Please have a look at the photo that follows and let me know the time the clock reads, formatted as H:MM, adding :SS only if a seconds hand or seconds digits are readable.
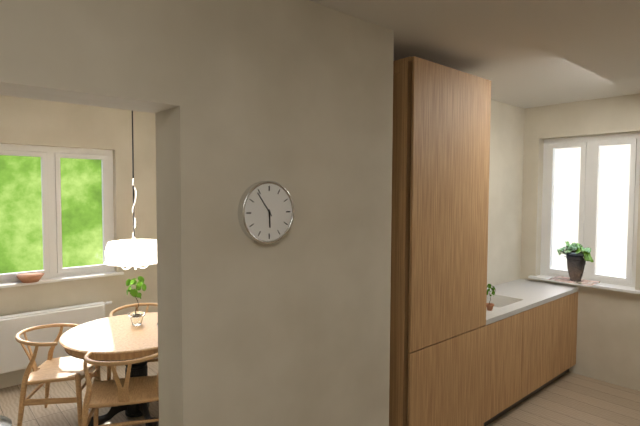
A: 5:54
